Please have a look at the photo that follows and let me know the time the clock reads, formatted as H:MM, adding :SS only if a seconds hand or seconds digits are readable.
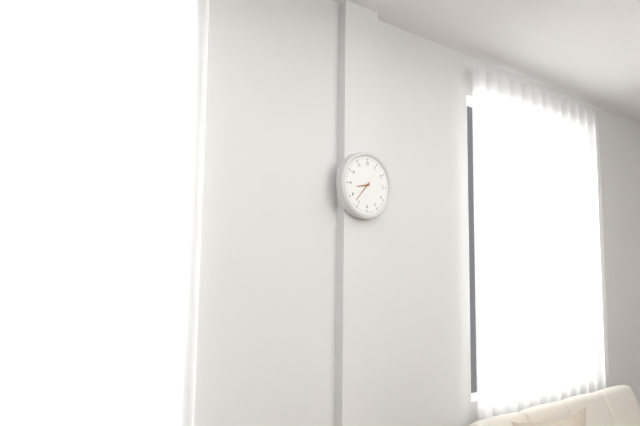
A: 8:37
